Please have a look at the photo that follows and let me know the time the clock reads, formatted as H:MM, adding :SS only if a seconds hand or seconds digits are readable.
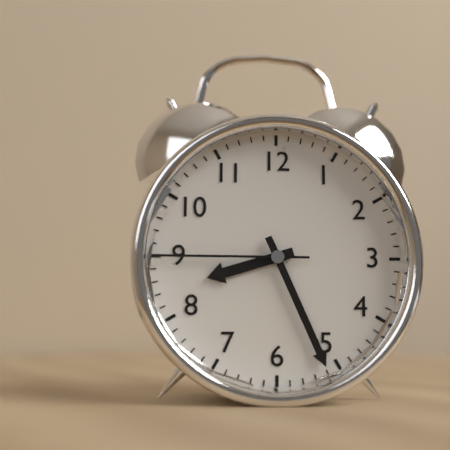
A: 8:26:45
